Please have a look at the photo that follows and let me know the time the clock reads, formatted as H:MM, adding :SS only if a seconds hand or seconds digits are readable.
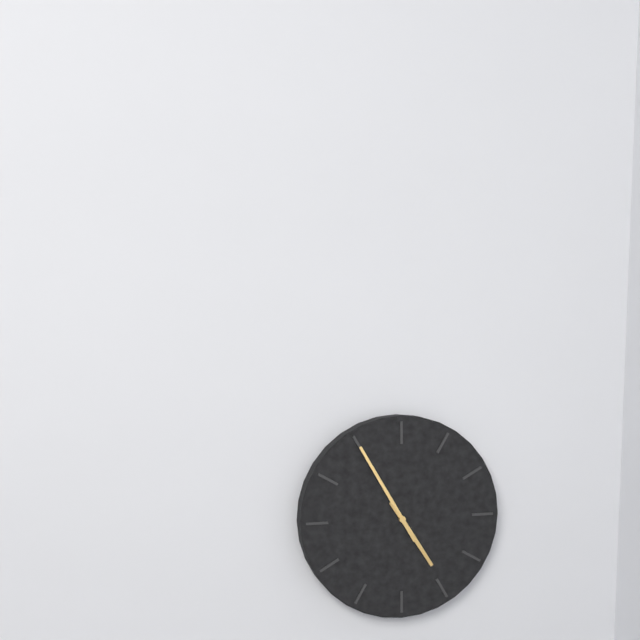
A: 4:55
